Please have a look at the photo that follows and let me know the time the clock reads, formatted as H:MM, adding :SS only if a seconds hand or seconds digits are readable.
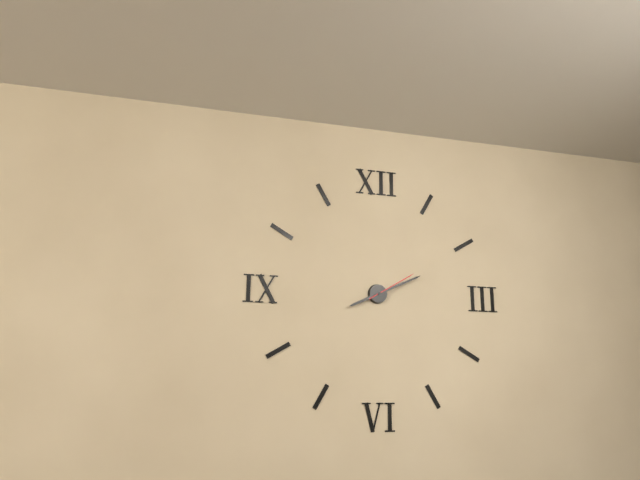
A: 8:11:10
